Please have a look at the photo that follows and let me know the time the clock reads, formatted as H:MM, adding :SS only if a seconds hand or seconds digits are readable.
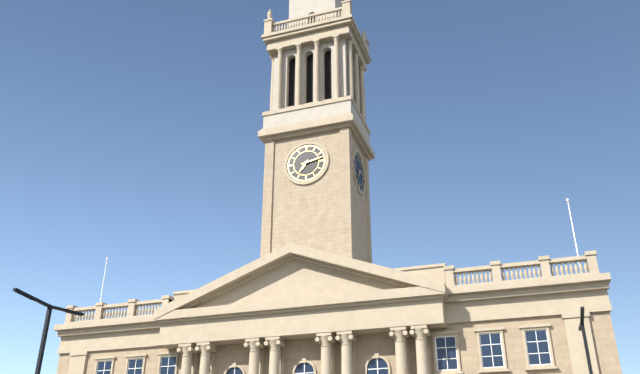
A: 7:13
